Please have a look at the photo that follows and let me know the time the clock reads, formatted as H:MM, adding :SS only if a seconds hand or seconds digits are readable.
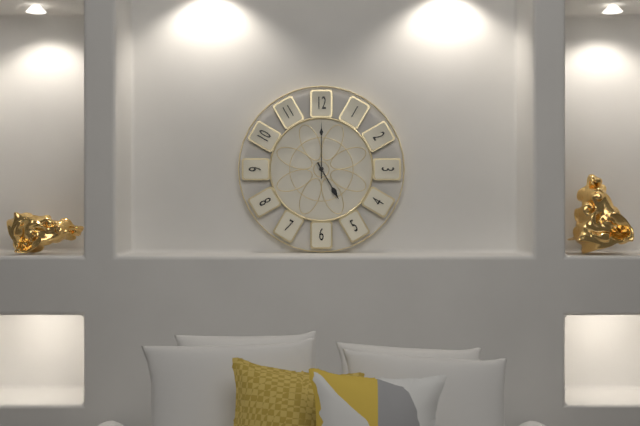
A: 5:00
